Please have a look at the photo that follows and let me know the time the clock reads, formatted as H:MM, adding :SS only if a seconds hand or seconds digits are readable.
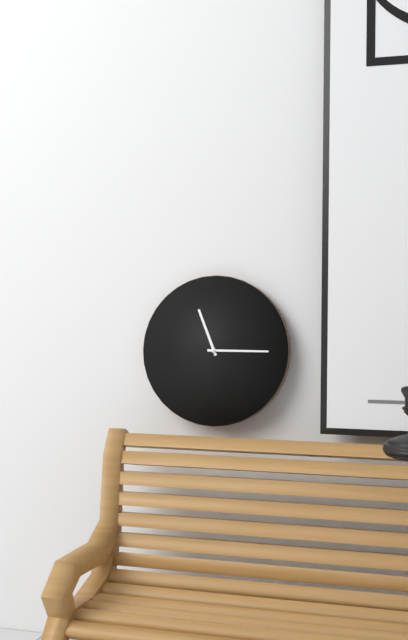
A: 11:15
